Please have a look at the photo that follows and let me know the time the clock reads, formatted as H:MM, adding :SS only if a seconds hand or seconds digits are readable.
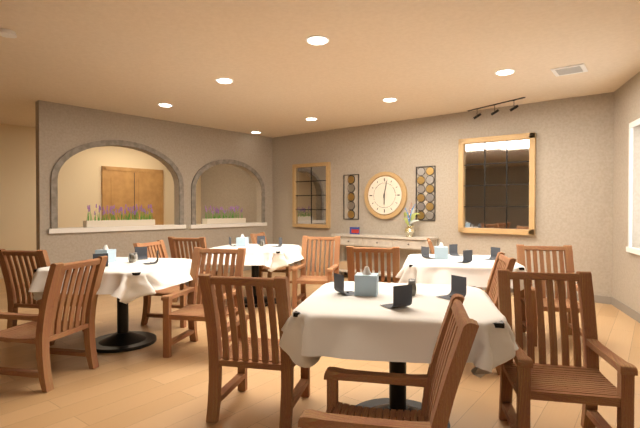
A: 6:02
